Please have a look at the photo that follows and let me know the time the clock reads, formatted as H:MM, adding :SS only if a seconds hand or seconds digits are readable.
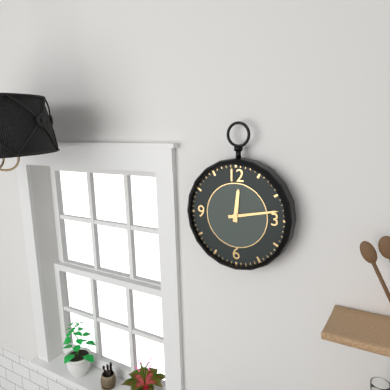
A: 12:13
